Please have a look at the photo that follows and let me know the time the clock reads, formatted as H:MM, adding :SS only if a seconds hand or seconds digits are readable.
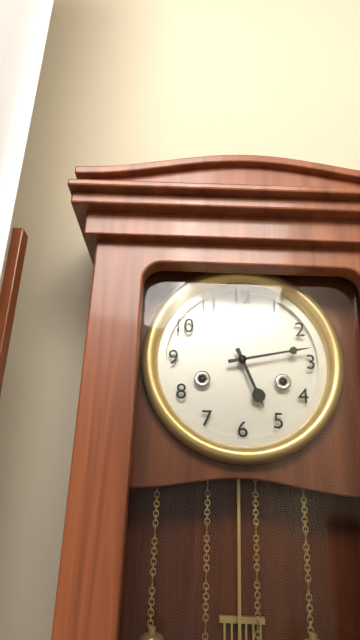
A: 5:13
